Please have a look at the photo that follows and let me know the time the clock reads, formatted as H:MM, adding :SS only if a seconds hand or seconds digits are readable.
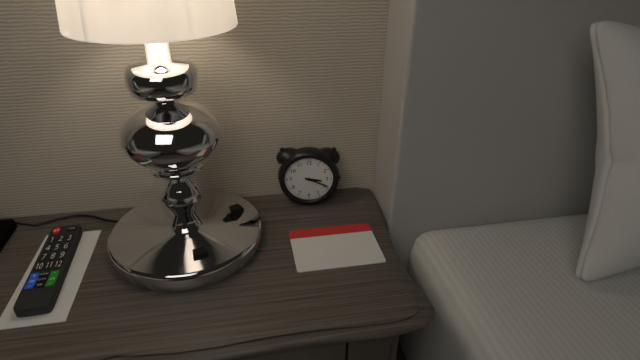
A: 3:19
